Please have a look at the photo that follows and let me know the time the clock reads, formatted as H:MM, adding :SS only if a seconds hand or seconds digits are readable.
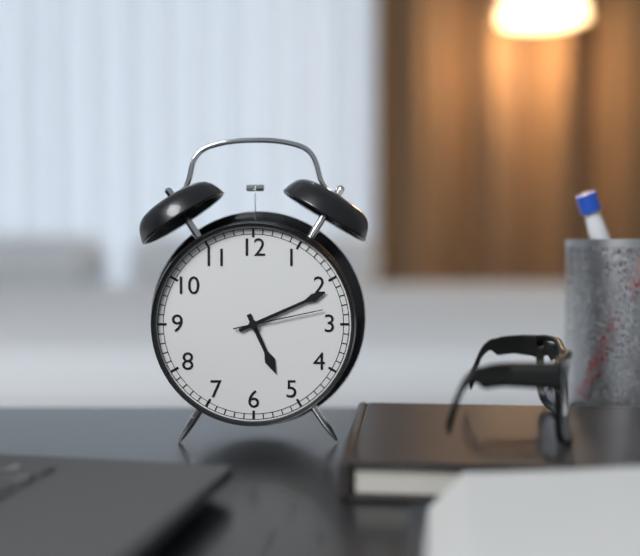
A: 5:11:13
